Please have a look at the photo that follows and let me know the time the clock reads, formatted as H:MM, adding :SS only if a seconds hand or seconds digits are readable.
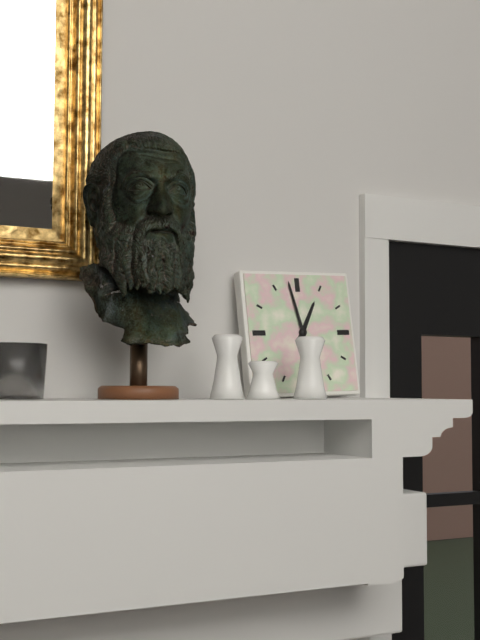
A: 12:58
